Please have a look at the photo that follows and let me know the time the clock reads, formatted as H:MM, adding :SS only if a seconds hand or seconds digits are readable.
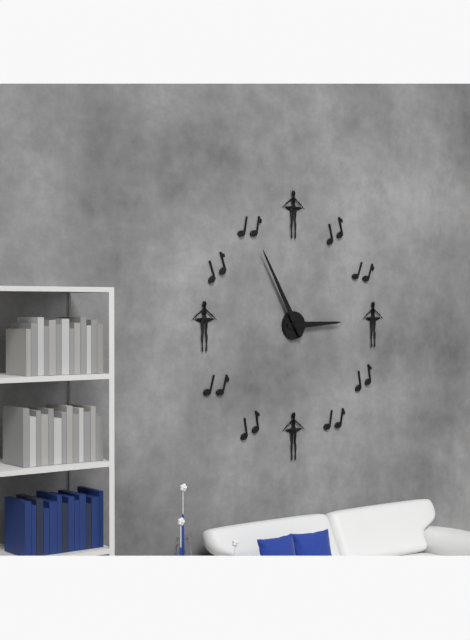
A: 2:55
